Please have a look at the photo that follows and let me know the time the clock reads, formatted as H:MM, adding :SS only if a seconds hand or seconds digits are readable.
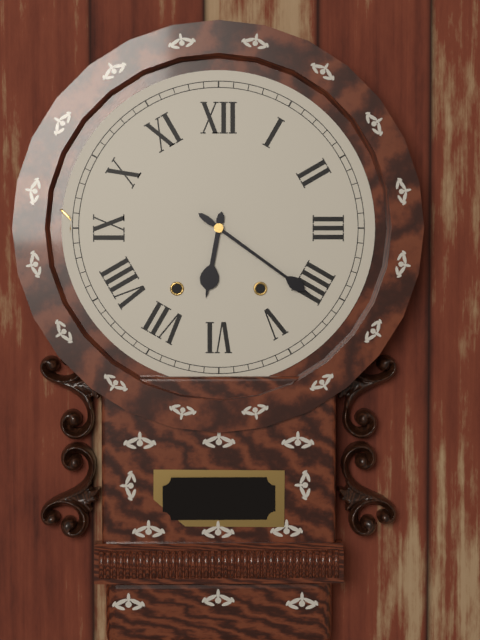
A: 6:21
